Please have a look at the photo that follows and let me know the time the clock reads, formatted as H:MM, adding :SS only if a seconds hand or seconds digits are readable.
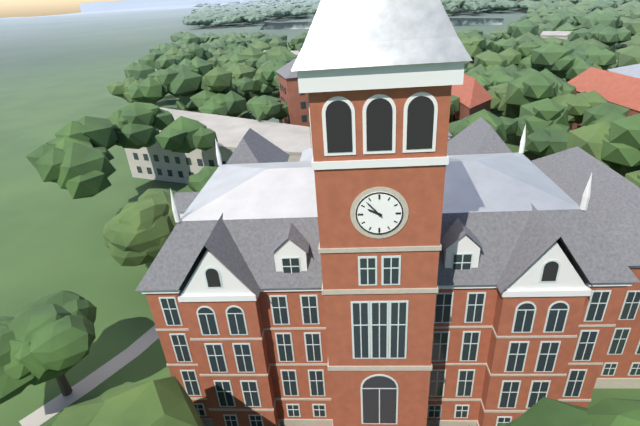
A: 9:53
